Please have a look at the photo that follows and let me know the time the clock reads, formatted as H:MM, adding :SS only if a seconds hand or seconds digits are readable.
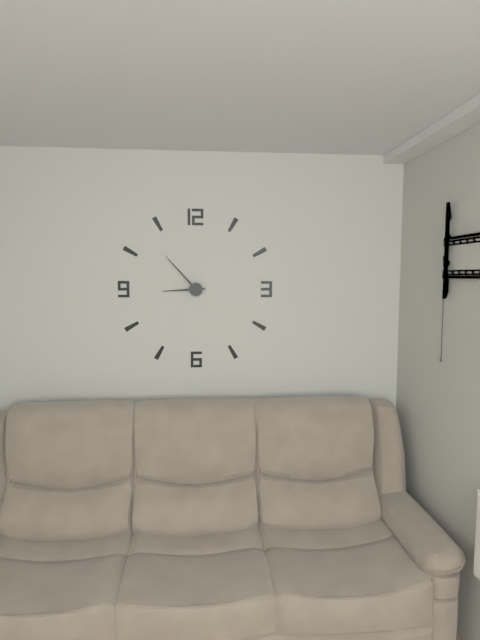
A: 8:53
